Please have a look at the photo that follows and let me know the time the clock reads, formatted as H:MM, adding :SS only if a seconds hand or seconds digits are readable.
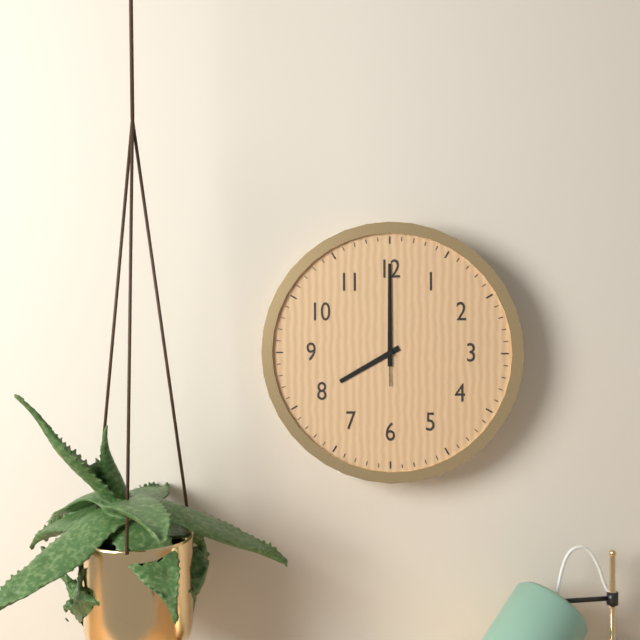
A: 8:00:00
